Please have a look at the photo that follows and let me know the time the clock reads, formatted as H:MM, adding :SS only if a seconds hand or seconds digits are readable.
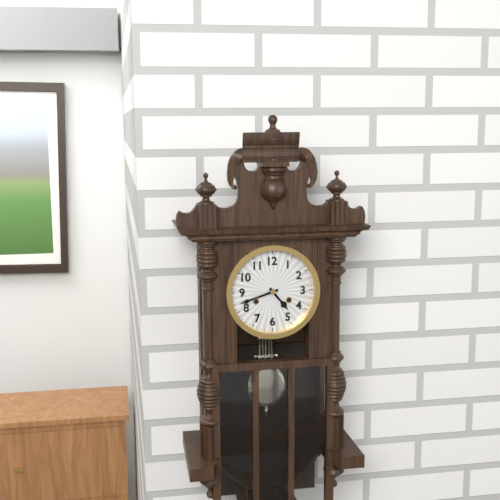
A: 4:42
